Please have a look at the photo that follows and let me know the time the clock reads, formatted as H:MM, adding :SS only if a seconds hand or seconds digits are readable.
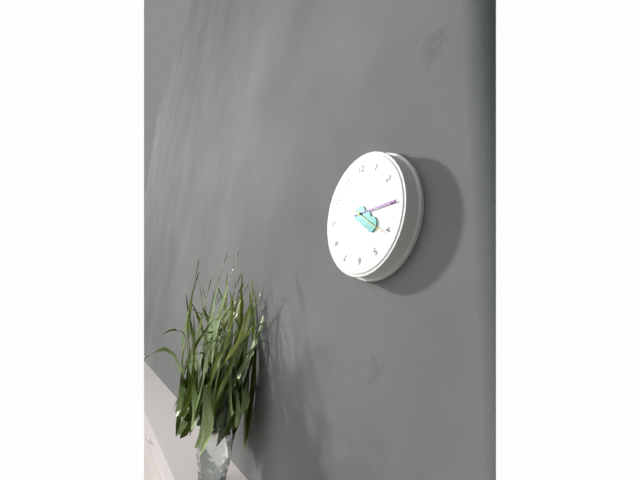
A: 4:15
